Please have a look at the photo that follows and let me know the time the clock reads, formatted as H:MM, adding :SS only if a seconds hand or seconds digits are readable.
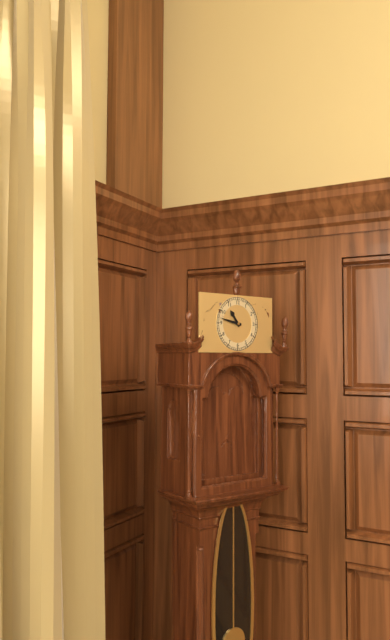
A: 10:47
